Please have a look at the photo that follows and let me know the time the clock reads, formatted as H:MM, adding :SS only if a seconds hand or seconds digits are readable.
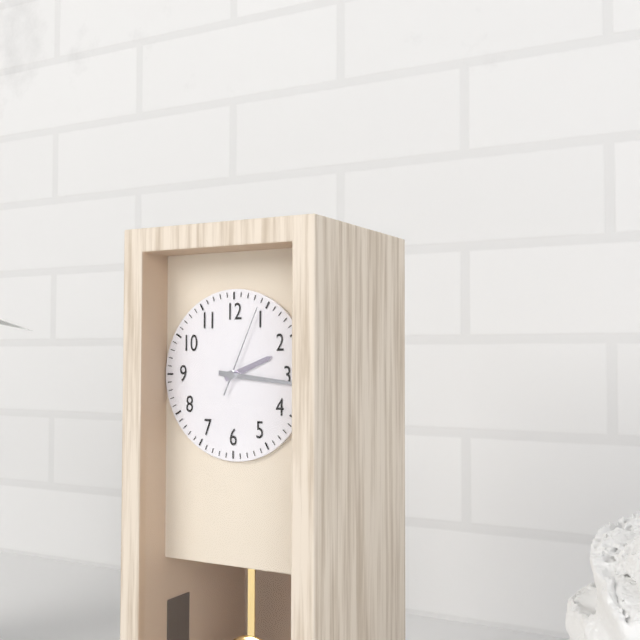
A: 2:16:04
